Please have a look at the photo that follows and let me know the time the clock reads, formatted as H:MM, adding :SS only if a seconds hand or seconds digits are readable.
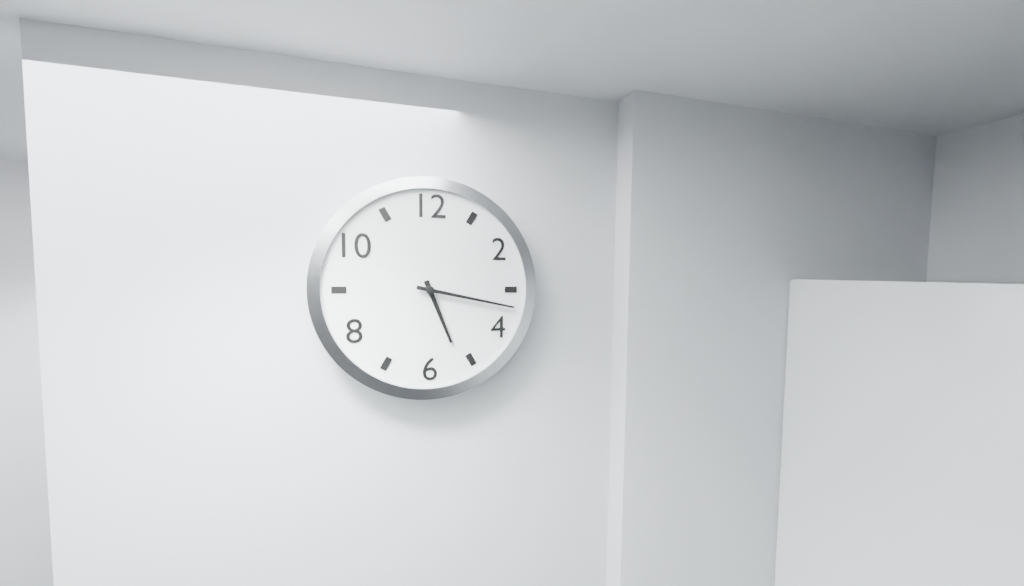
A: 5:17
